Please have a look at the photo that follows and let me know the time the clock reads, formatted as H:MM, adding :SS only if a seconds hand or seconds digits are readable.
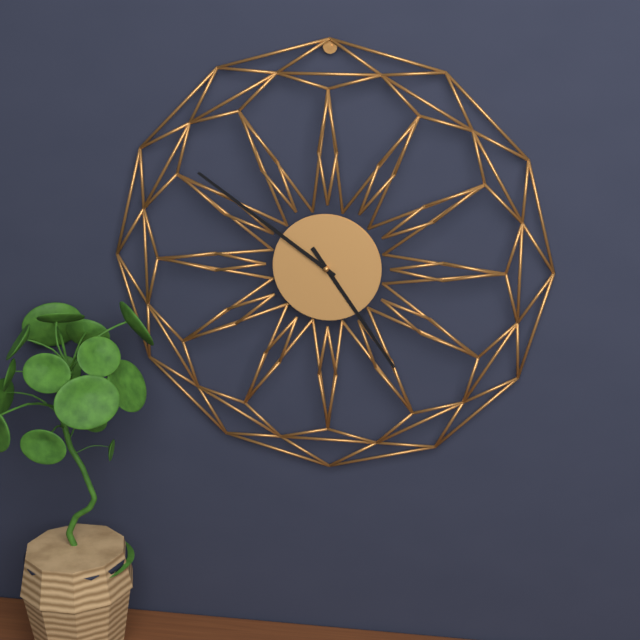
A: 4:51
